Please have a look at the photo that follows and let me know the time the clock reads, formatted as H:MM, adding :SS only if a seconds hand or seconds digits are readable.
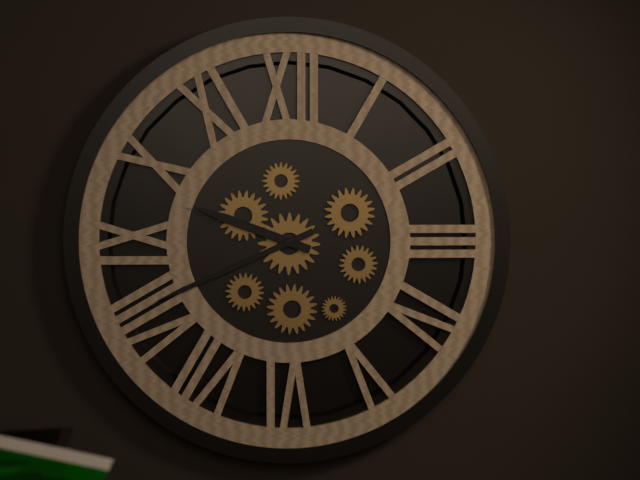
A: 9:41
